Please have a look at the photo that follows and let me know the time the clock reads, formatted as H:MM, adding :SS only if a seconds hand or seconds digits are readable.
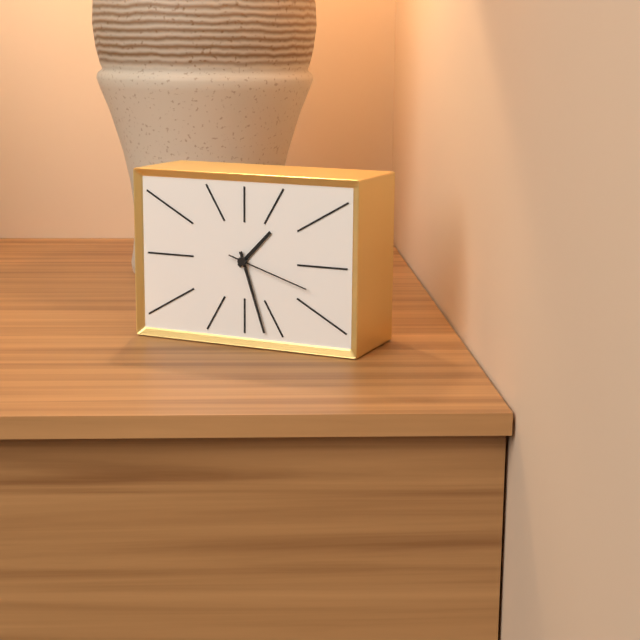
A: 1:27:18
